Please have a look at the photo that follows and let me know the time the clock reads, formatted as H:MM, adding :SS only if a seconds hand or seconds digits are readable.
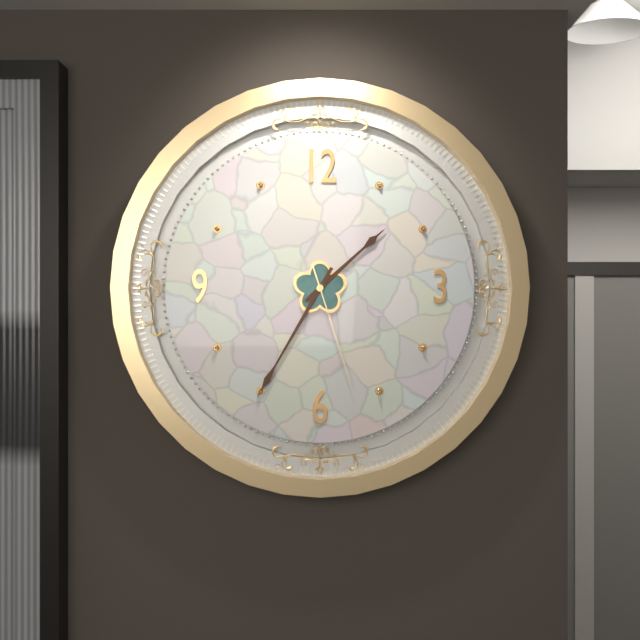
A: 1:35:27
